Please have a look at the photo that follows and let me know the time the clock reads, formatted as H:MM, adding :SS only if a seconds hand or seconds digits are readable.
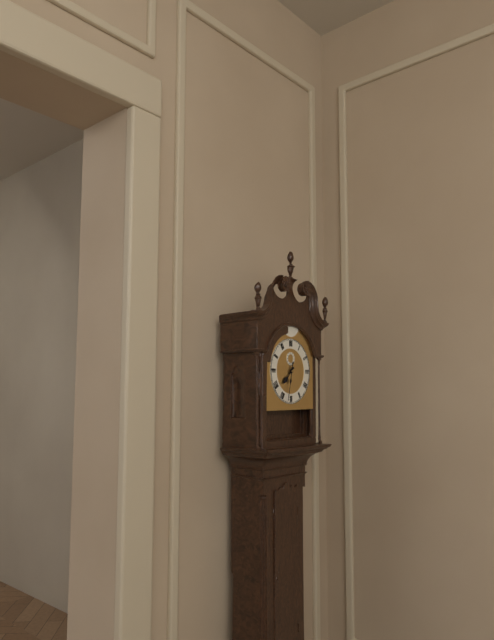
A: 7:32
